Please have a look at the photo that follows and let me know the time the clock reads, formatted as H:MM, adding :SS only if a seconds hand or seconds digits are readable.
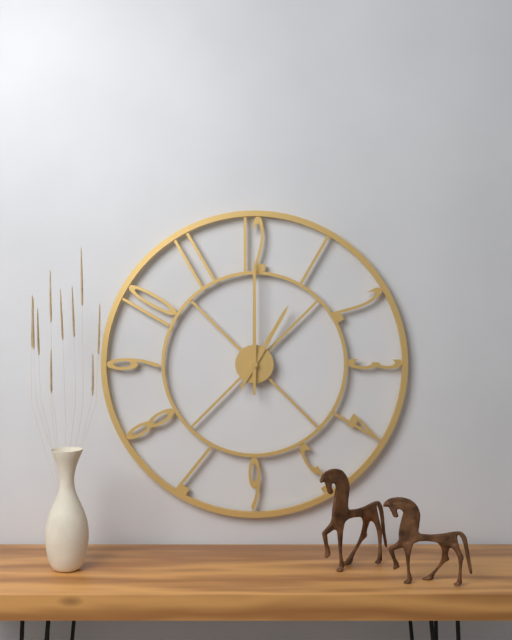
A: 1:00
